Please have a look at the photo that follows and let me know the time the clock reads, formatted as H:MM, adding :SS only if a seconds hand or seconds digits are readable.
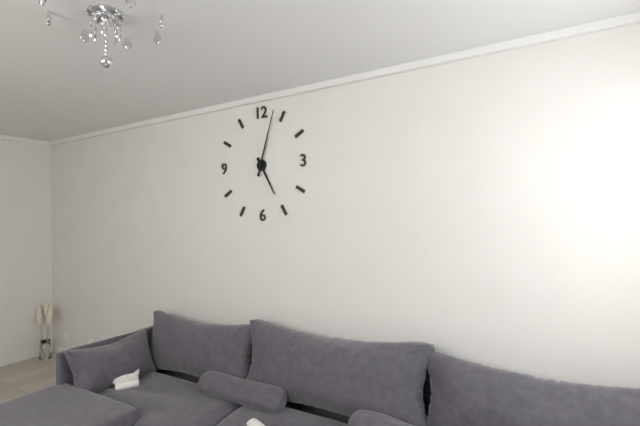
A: 5:03
